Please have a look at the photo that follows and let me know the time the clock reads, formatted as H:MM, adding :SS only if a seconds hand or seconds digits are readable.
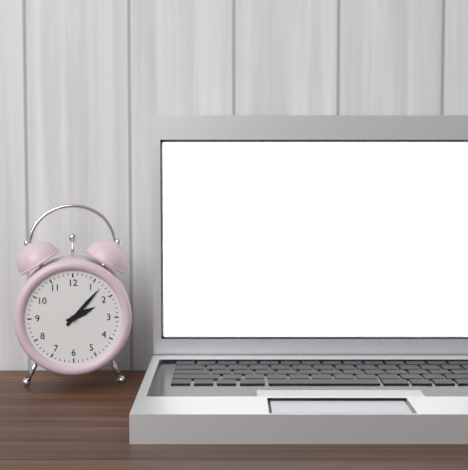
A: 2:07
